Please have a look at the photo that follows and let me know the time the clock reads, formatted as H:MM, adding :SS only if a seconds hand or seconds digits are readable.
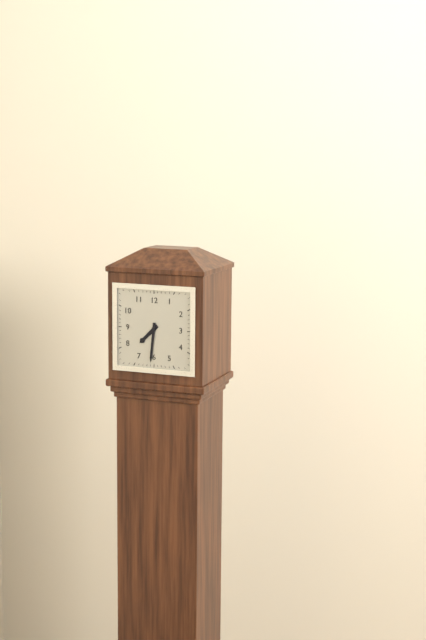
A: 7:31
